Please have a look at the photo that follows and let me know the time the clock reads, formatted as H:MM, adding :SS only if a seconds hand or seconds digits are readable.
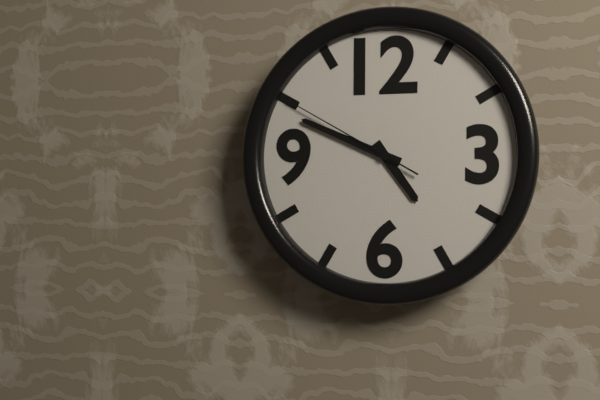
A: 4:49:50
